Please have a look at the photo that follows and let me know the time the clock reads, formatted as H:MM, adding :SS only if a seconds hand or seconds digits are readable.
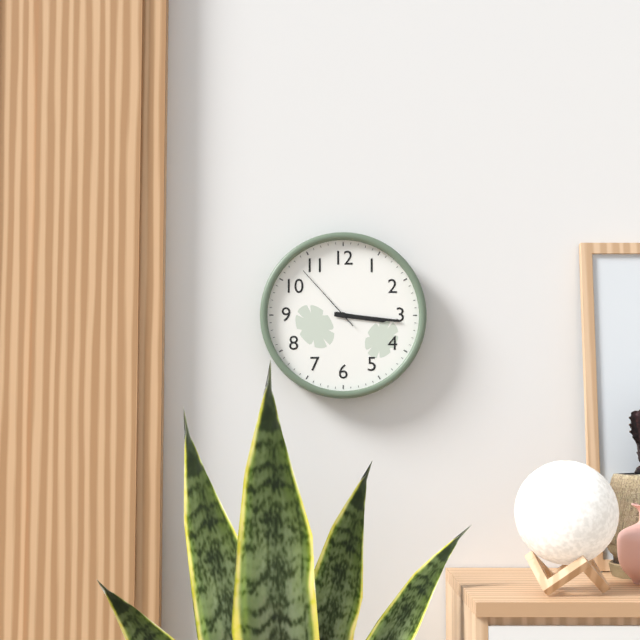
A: 3:16:53
